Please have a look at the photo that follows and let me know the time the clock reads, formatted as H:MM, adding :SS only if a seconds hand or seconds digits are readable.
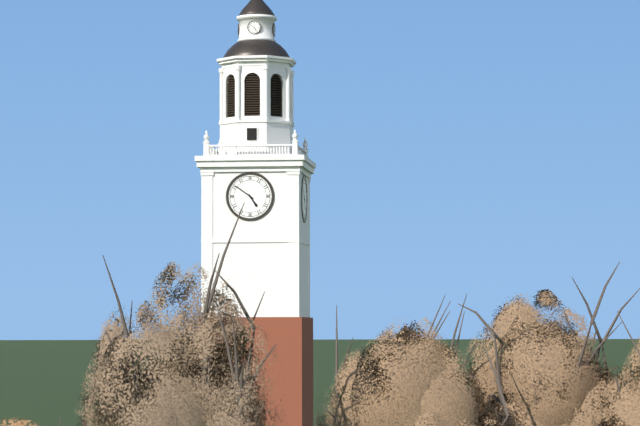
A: 4:51
